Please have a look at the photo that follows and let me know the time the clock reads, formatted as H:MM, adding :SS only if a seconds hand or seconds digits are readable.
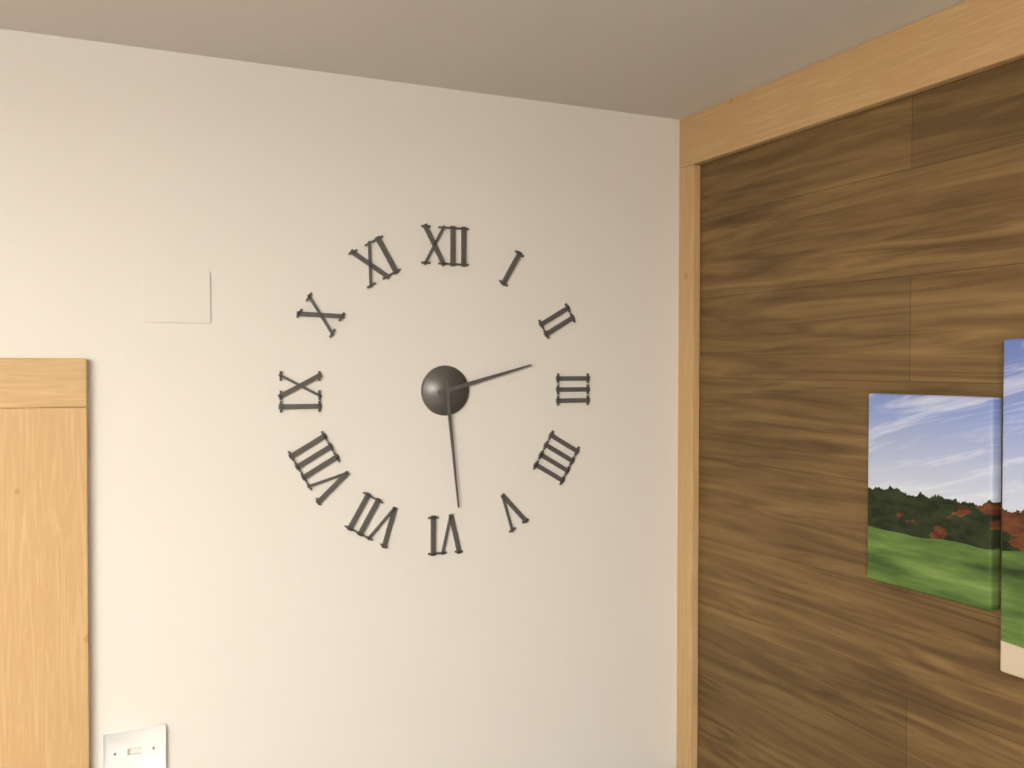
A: 2:29
